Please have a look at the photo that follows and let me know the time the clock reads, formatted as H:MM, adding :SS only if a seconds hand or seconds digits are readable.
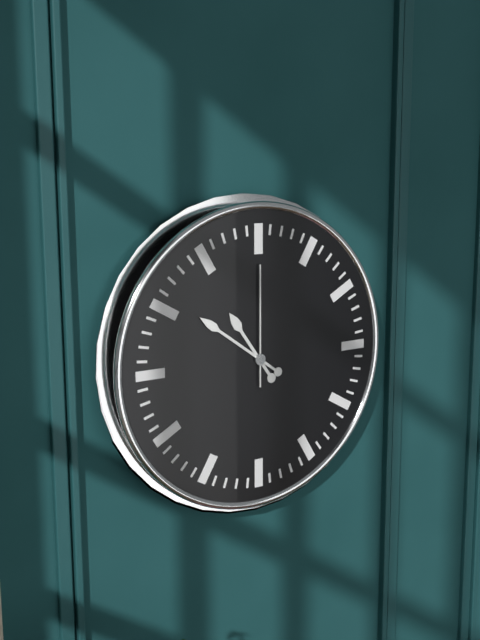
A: 10:51:00
